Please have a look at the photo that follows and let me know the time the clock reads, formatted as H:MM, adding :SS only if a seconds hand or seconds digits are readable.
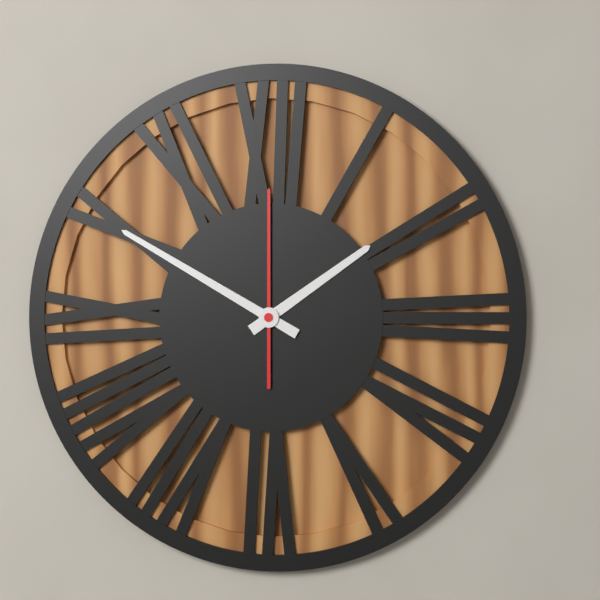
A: 1:50:00
